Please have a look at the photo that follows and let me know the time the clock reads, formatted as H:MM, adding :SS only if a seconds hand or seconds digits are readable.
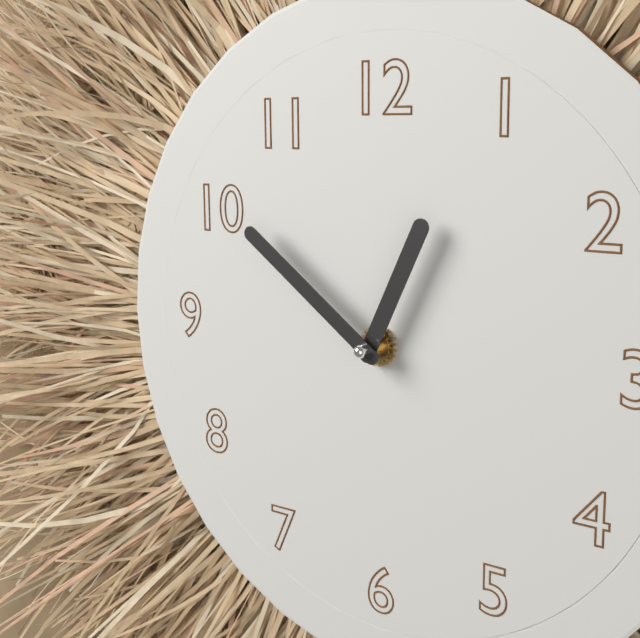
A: 12:51
